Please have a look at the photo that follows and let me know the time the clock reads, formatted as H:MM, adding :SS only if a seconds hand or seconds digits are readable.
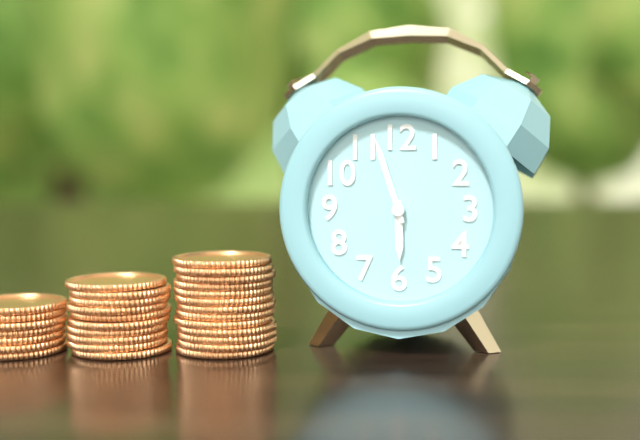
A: 5:57
